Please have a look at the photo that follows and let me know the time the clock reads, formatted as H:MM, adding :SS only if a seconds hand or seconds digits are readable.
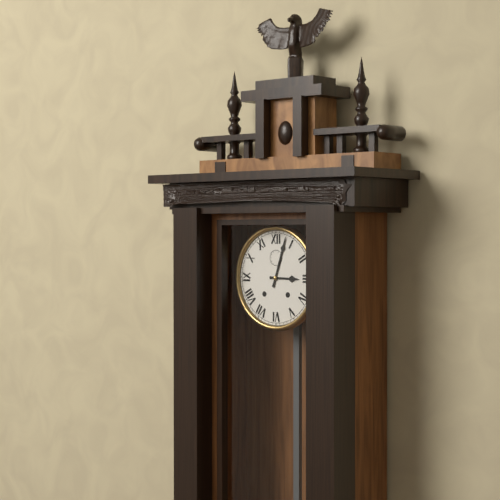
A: 3:03
